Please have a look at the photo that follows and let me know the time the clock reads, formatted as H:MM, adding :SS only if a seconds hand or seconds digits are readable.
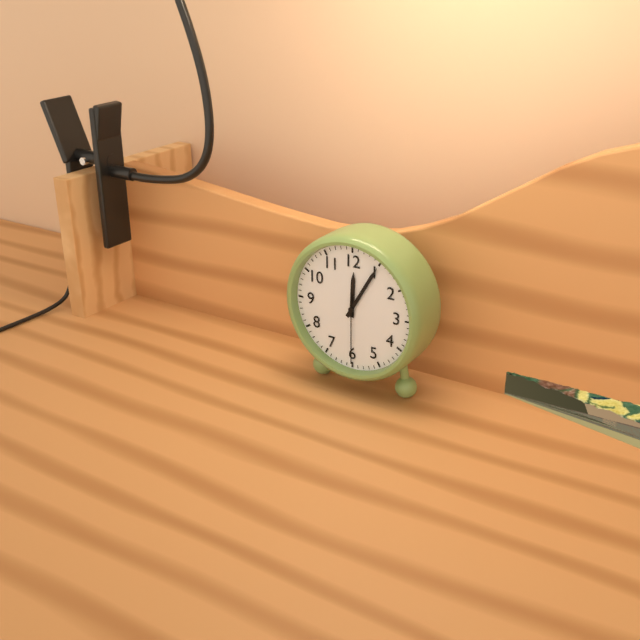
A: 12:05:30
